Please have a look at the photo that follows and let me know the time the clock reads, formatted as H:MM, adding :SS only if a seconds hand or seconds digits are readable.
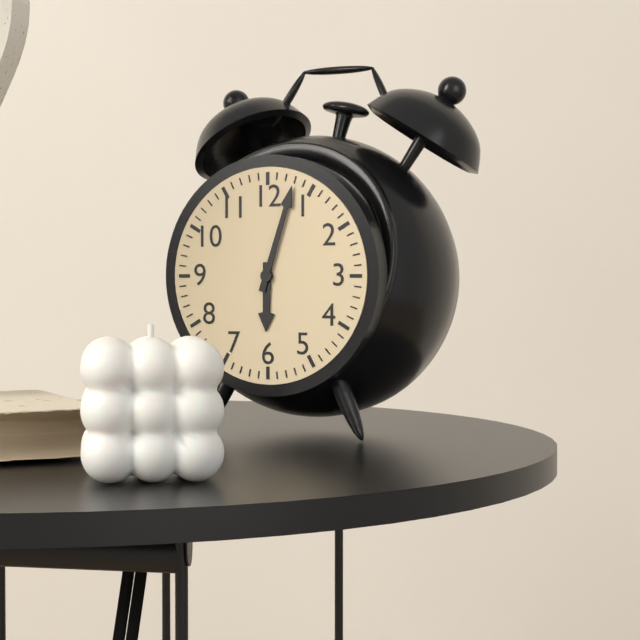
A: 6:03
